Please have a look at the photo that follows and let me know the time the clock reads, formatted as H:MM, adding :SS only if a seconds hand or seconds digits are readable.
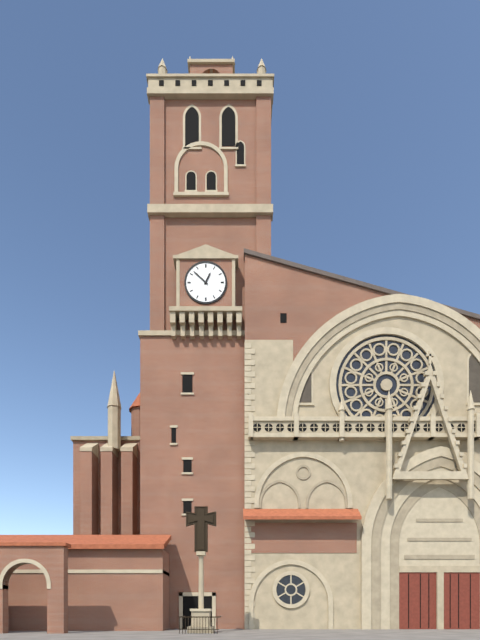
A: 12:52
